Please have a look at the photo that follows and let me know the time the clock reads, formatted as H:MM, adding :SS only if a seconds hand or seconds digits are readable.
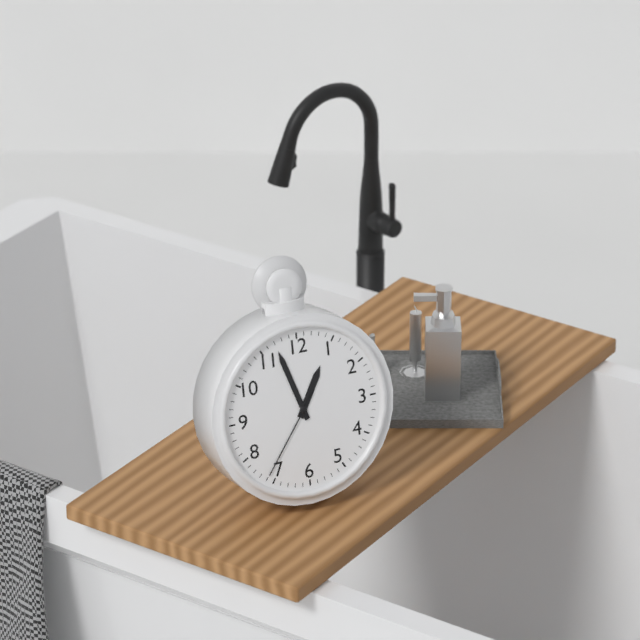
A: 12:57:36
